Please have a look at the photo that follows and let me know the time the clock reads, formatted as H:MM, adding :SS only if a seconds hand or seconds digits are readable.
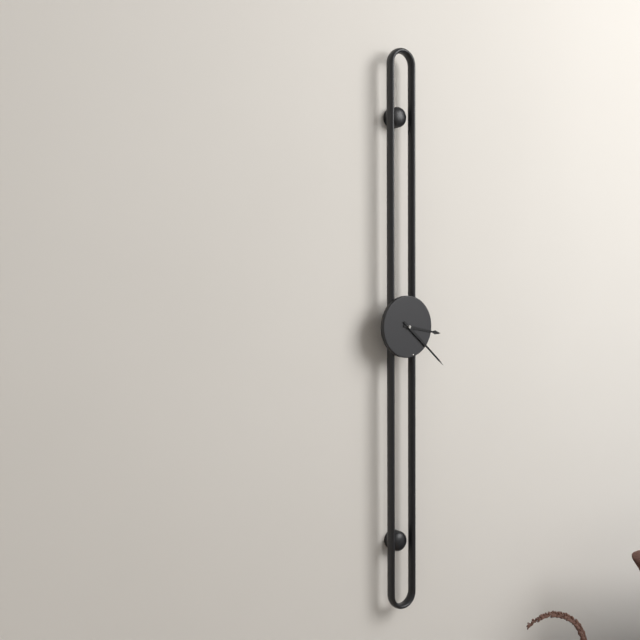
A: 3:22
